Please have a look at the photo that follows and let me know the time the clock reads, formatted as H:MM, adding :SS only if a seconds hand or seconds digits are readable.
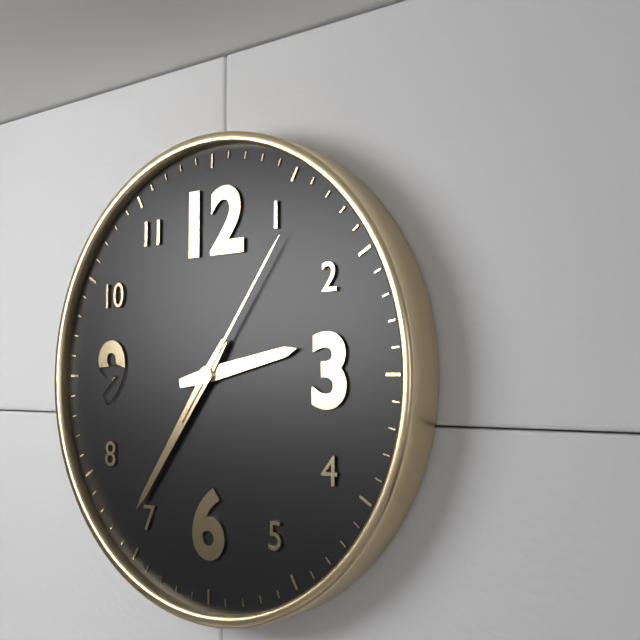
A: 2:36:06
